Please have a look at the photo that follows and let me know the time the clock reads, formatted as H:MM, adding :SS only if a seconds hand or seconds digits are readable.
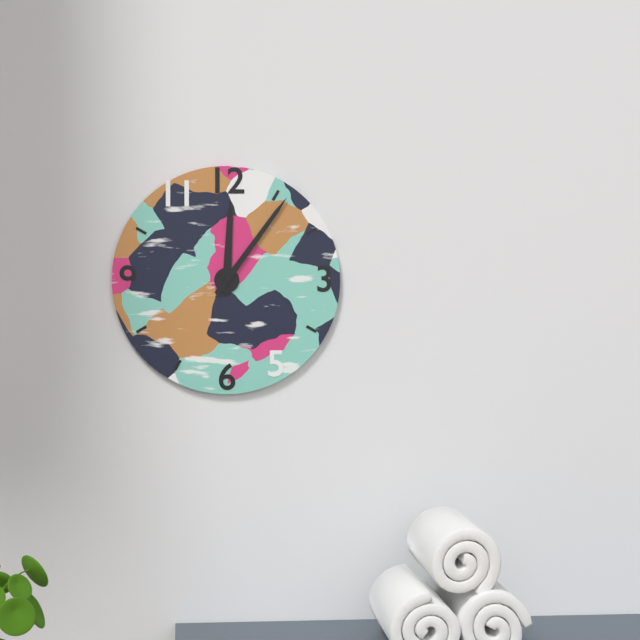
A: 12:06
